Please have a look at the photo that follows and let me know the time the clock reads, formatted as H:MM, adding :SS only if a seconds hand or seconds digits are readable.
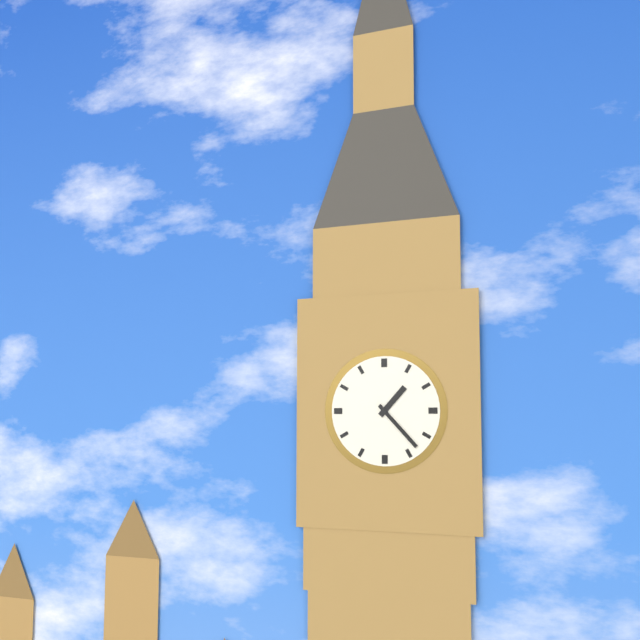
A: 1:23
